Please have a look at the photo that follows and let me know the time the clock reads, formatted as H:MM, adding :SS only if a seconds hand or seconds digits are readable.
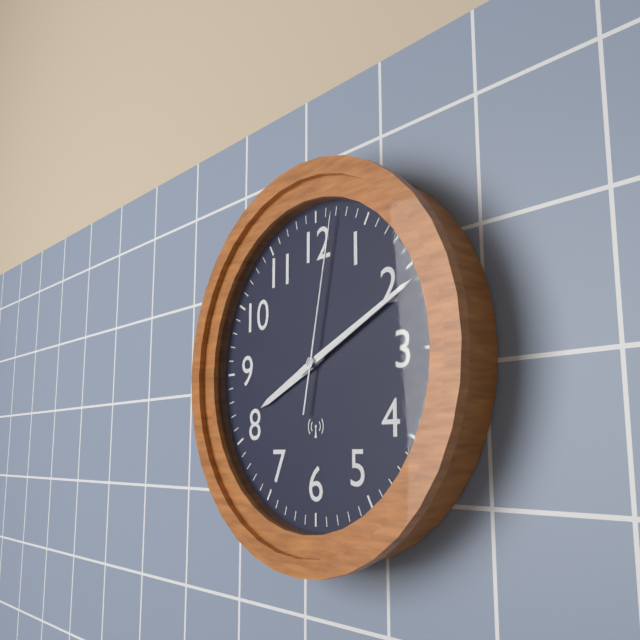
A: 8:11:02
